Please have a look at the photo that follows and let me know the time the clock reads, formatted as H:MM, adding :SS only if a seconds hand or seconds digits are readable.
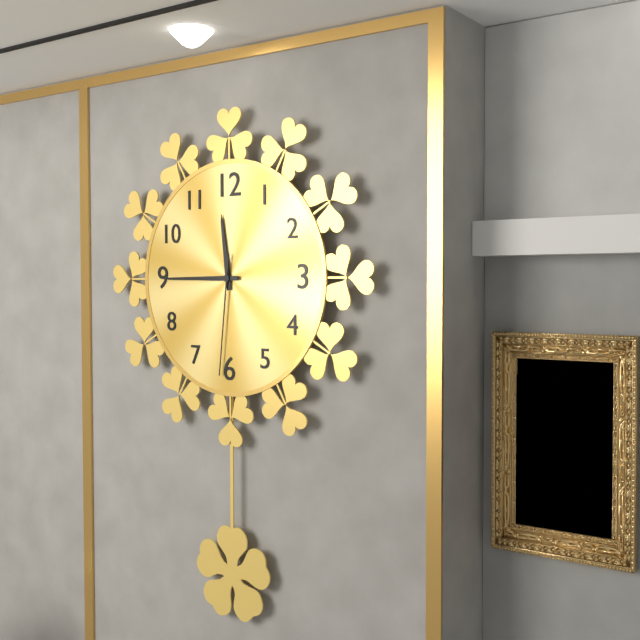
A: 11:45:31
